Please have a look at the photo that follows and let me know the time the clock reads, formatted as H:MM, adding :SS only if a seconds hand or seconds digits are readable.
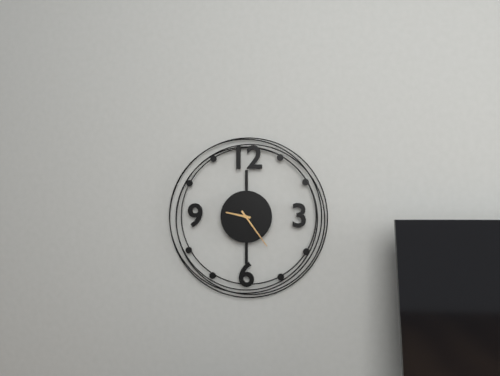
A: 9:24
